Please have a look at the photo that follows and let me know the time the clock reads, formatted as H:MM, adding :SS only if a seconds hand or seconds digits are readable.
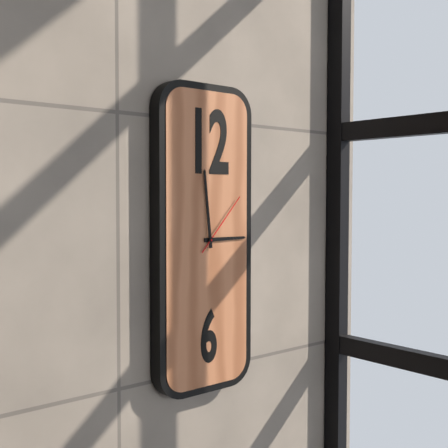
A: 2:59:07
